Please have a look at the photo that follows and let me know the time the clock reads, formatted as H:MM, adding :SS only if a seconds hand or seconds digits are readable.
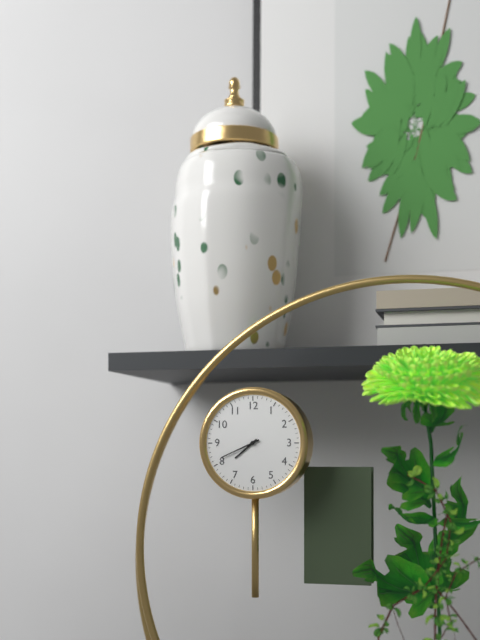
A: 7:41
